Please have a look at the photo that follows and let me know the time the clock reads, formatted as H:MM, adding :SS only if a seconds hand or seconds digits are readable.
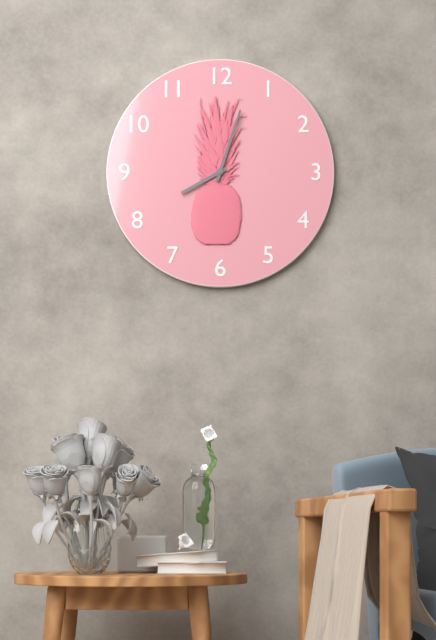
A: 8:03
